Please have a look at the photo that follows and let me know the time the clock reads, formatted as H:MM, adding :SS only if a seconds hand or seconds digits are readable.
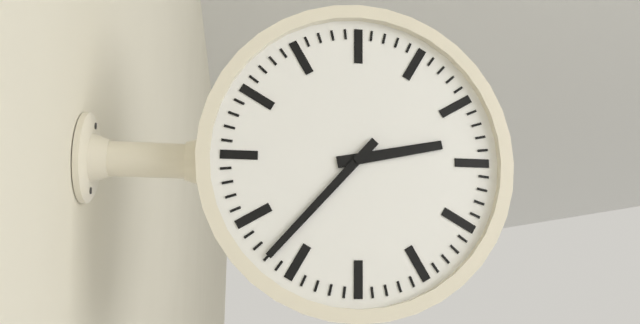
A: 2:37
